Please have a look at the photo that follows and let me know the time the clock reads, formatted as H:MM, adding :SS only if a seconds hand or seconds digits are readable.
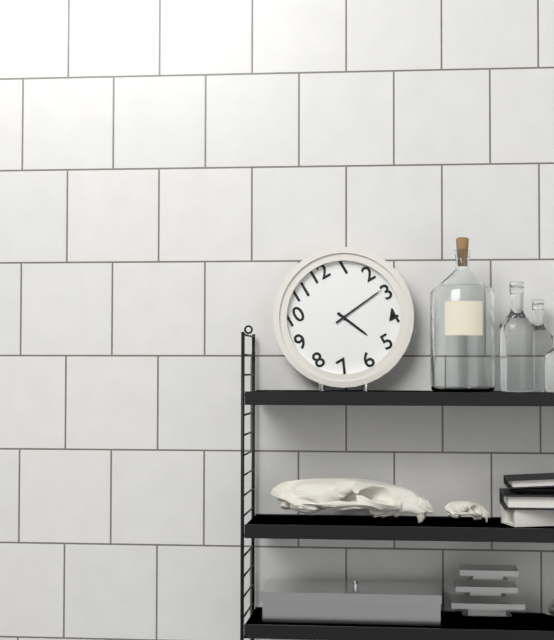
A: 5:14
